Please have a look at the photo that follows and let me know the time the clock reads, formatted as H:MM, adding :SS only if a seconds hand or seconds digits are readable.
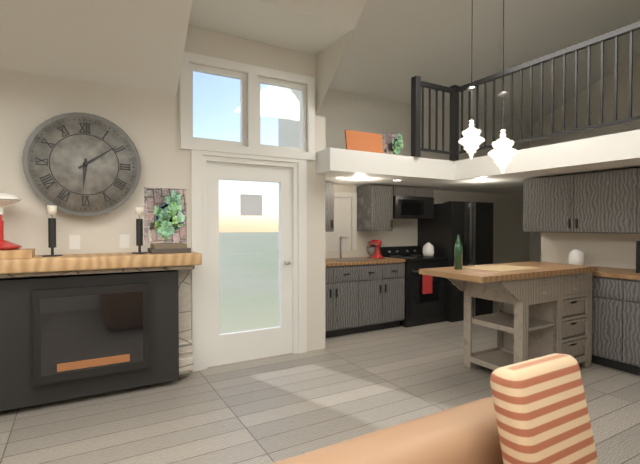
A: 6:09
